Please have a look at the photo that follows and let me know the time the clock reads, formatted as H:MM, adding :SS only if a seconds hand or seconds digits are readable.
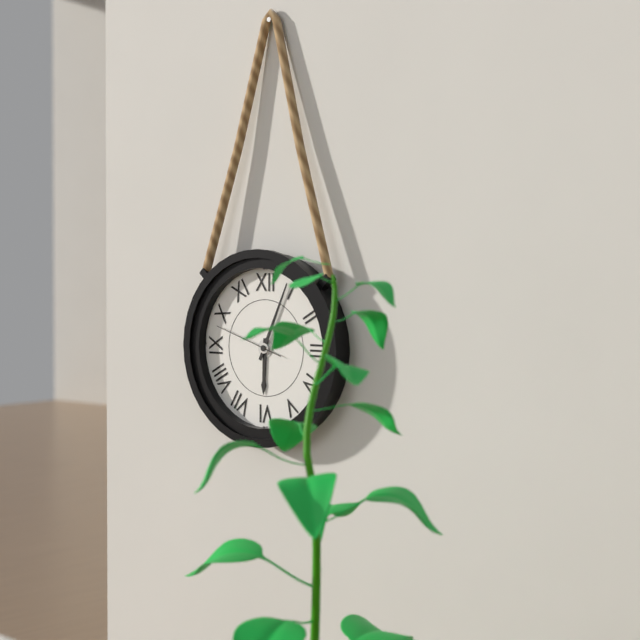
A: 6:04:48
